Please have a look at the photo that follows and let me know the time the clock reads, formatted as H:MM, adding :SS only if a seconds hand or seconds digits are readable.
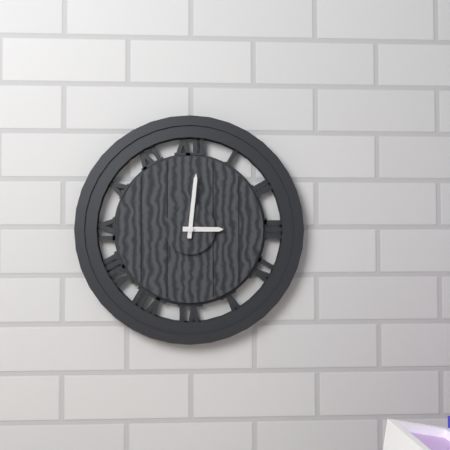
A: 3:01
